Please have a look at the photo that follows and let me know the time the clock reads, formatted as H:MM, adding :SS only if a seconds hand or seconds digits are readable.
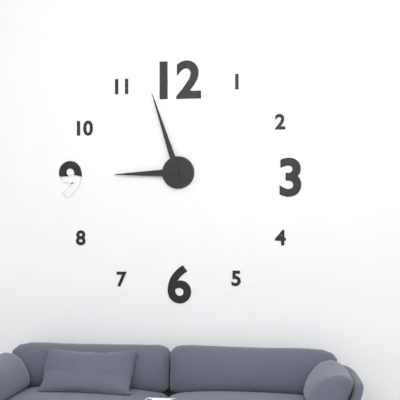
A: 8:57
